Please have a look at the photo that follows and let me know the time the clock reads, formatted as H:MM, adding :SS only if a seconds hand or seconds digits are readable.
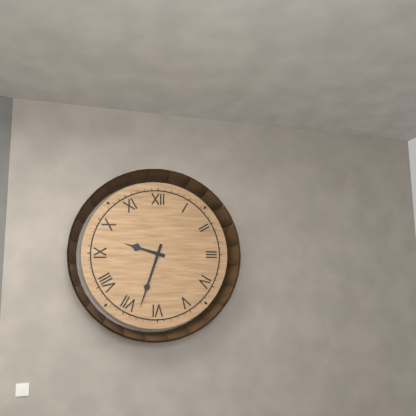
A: 9:33
